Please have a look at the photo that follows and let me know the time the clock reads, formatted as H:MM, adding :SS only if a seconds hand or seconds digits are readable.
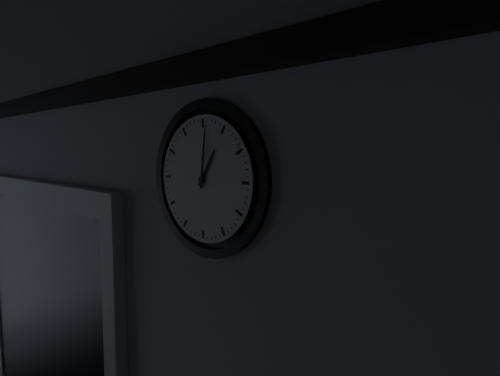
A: 1:01
